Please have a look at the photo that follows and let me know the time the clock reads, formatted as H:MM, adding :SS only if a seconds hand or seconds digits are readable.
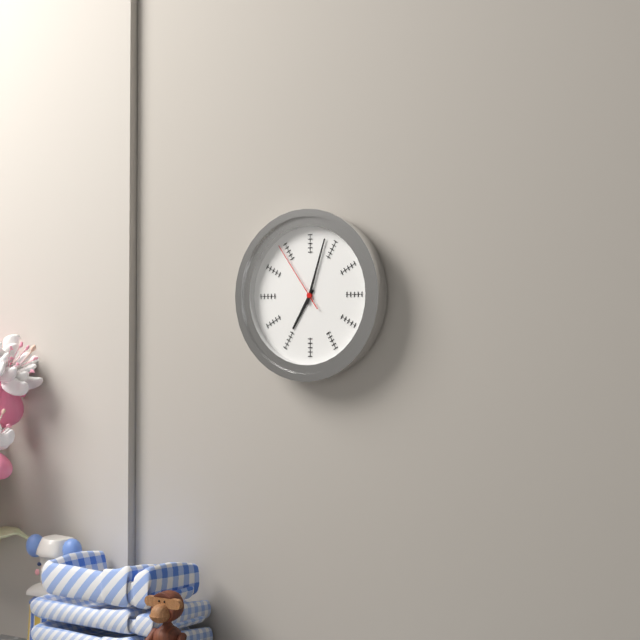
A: 7:03:54
